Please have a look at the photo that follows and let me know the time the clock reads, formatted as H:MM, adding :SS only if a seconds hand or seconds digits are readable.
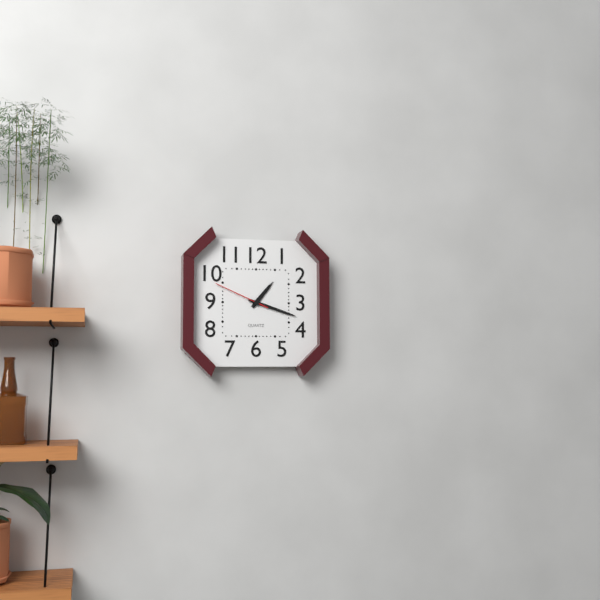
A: 1:18:49
